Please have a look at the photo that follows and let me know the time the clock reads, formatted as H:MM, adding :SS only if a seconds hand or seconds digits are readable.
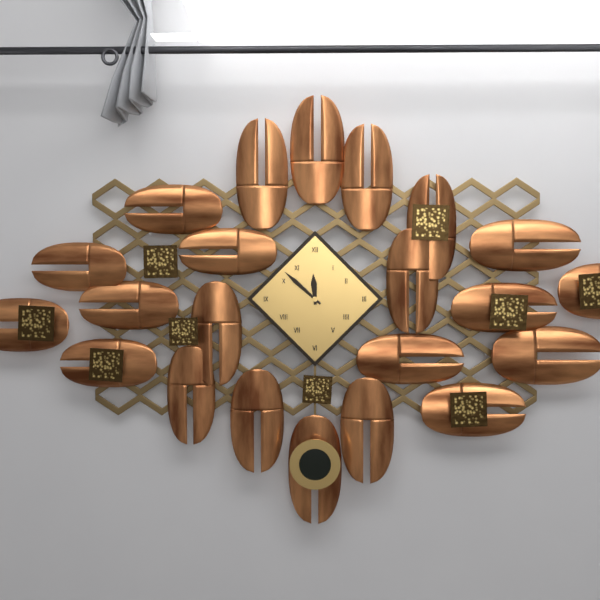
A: 11:52
